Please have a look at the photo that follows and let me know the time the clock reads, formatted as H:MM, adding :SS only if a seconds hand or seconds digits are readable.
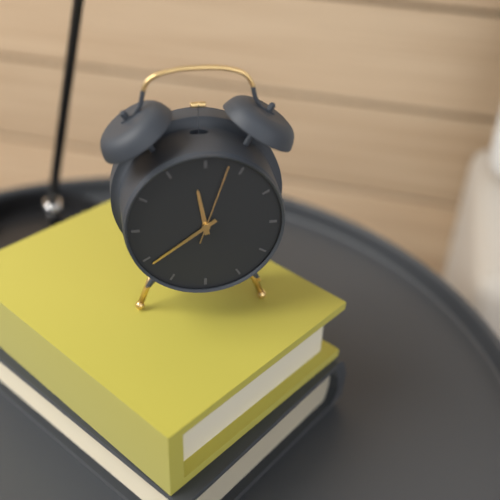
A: 11:39:03
